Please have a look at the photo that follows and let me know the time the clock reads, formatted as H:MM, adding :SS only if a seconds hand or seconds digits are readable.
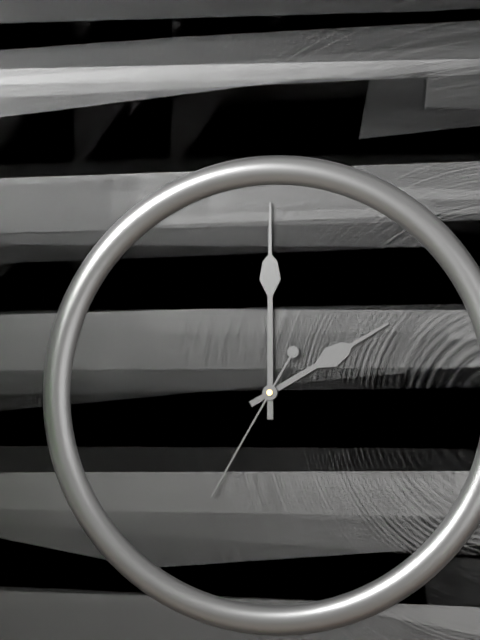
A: 2:00:35
